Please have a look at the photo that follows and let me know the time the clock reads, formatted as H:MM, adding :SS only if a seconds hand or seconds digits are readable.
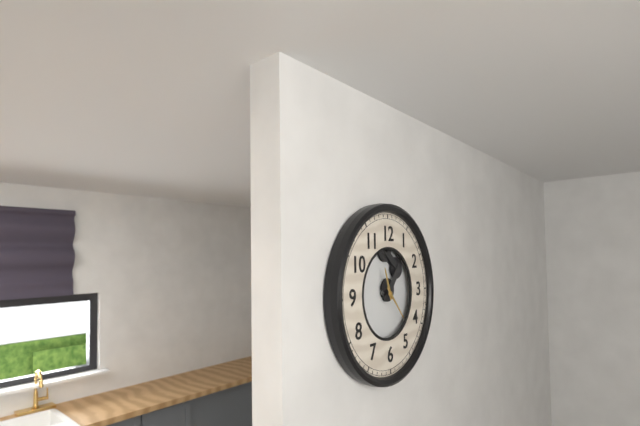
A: 11:23
